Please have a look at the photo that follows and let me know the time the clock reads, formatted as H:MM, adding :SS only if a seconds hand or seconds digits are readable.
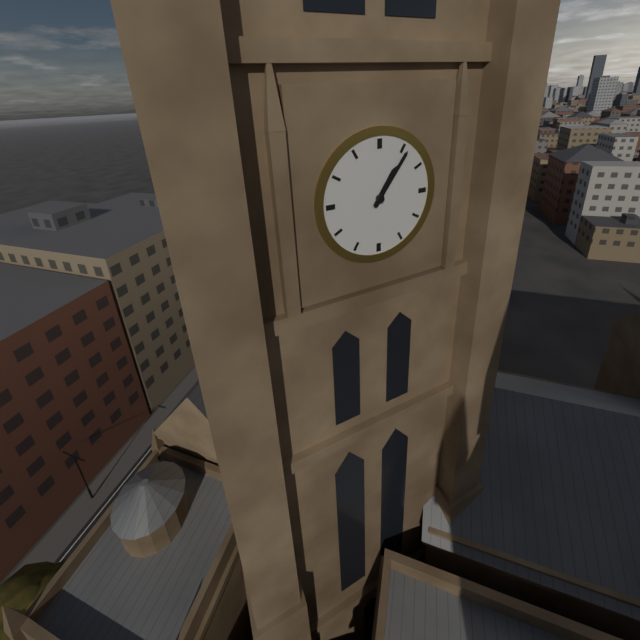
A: 1:06
